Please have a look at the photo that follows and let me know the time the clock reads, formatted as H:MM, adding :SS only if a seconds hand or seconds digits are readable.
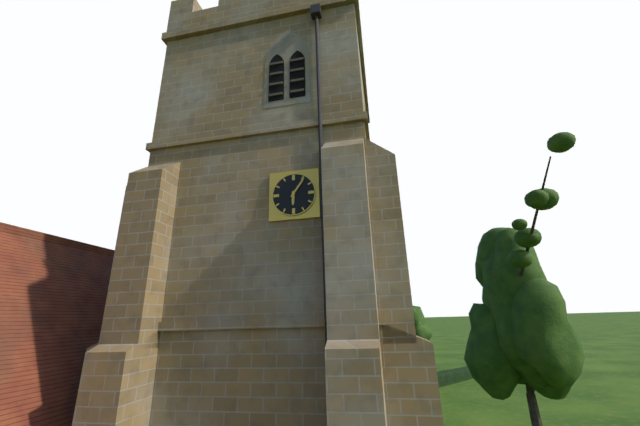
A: 6:06
